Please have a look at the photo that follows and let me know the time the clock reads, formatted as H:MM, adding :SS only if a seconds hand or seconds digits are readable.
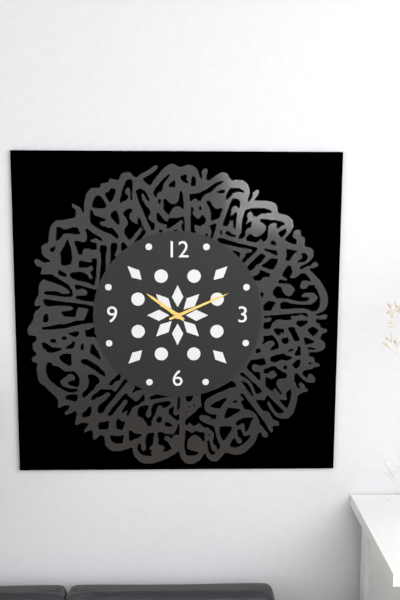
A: 10:11
